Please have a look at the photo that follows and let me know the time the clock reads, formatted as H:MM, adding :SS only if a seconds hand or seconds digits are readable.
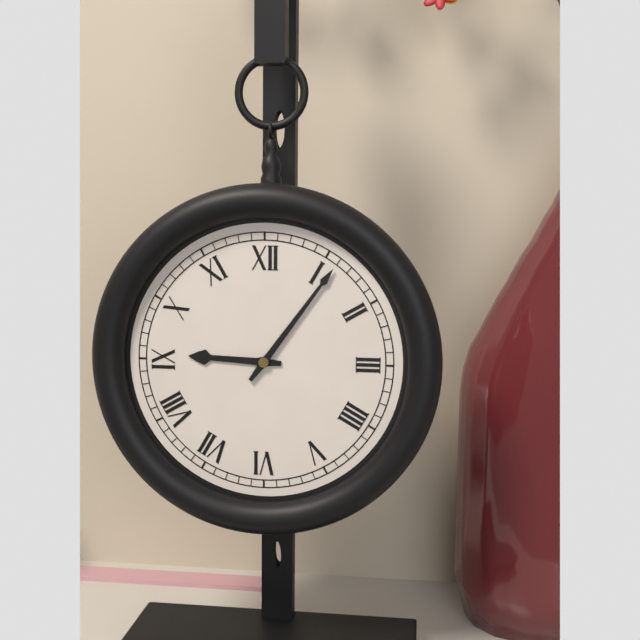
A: 9:06
